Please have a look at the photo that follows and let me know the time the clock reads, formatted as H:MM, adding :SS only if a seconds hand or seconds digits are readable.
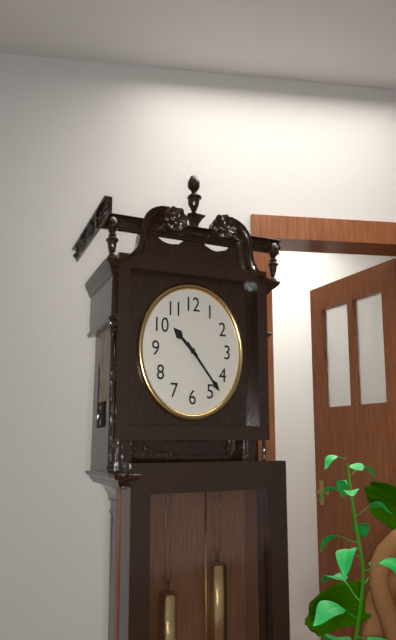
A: 10:23
